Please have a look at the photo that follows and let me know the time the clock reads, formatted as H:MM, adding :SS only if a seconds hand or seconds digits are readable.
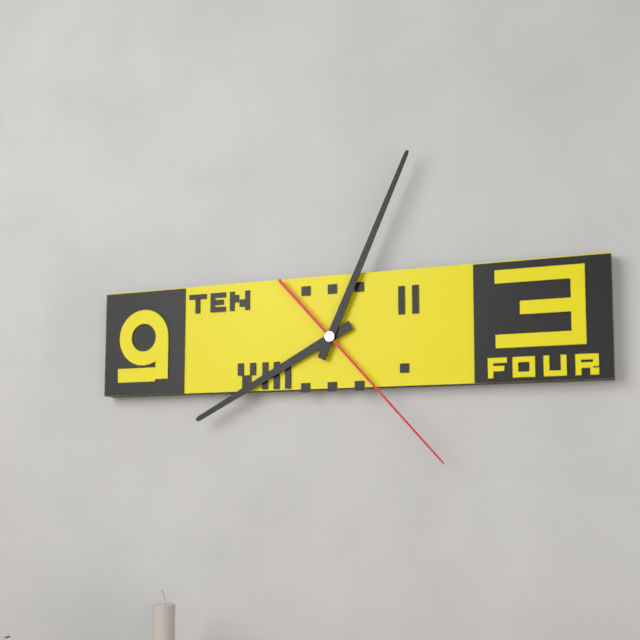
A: 8:04:23
